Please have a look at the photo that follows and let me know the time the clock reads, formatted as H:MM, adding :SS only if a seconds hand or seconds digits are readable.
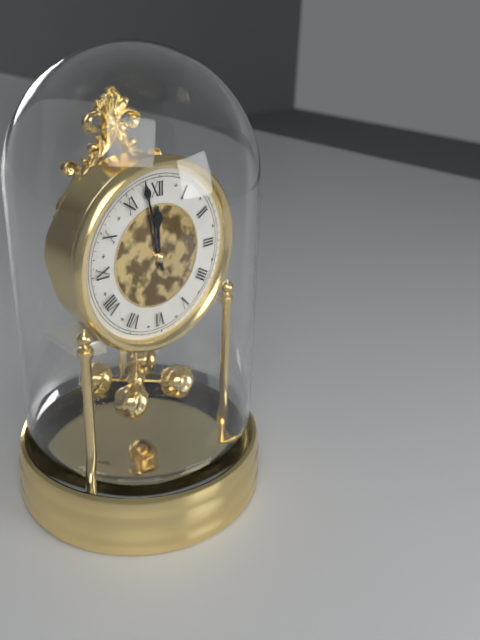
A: 11:58
